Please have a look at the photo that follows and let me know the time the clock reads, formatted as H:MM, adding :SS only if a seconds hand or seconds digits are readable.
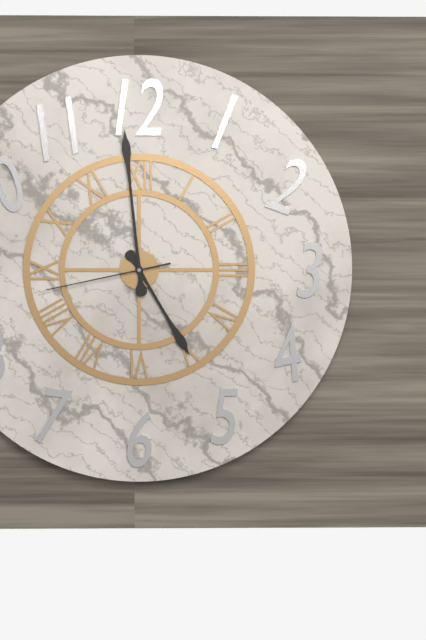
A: 4:59:43
